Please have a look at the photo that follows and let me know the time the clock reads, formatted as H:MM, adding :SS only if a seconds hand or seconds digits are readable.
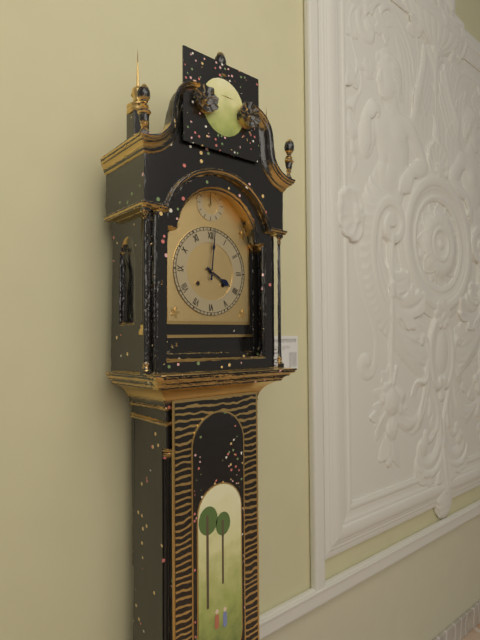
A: 4:01
